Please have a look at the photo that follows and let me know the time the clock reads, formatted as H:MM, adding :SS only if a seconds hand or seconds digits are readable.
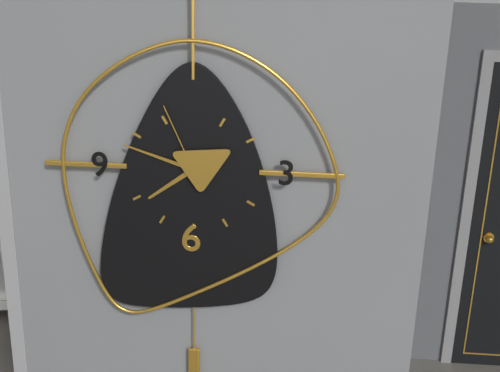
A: 7:48:56
